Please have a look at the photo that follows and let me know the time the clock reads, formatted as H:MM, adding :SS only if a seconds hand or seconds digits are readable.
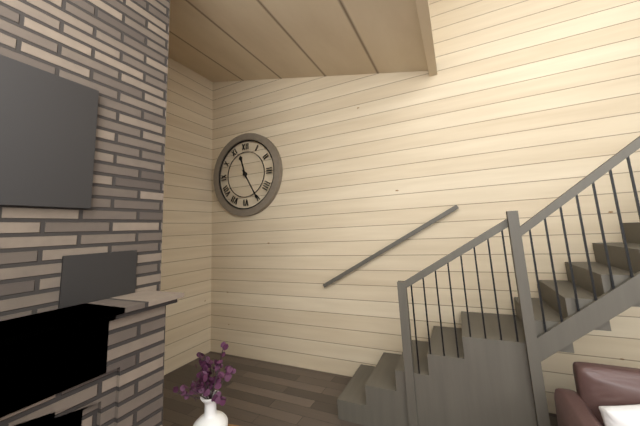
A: 11:25
